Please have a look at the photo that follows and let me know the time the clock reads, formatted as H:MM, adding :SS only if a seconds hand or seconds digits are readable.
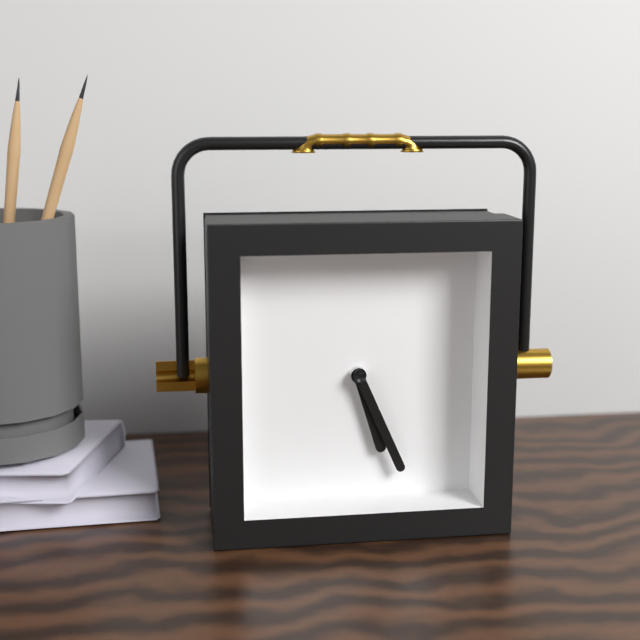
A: 5:26
